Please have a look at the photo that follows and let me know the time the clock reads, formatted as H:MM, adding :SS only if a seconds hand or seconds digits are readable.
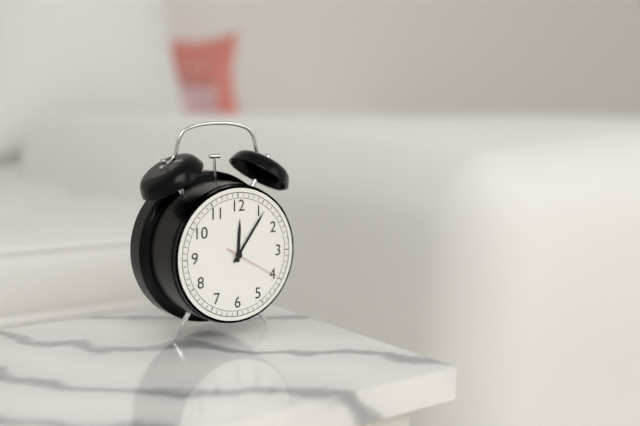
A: 12:06:20
